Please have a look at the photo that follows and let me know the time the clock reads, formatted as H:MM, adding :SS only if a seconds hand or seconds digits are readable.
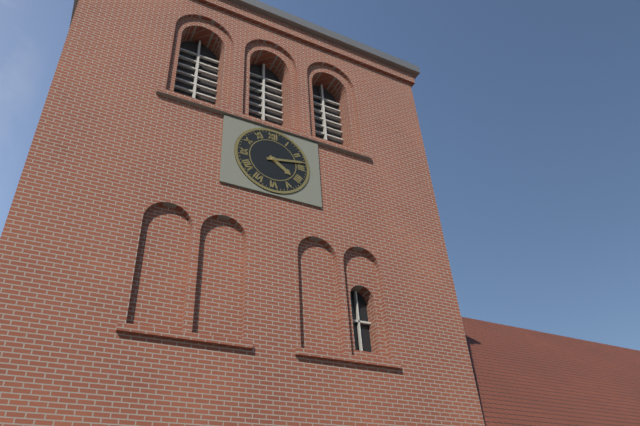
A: 4:13
